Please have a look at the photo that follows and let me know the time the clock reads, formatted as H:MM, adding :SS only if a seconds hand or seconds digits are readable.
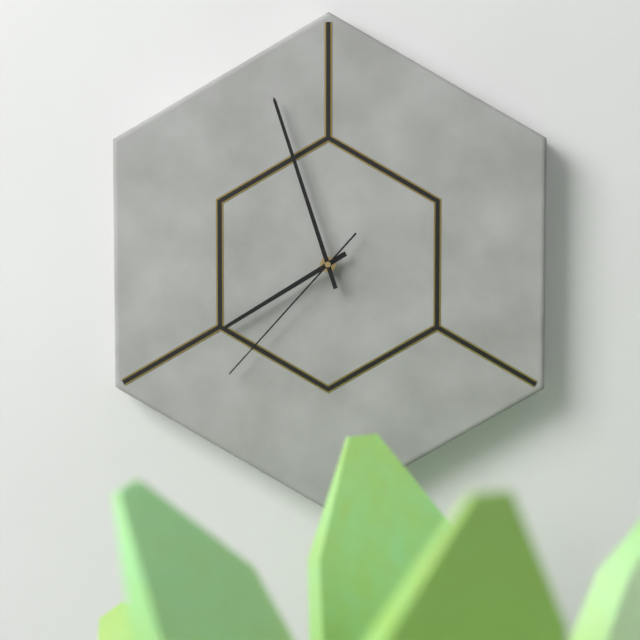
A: 7:57:37
